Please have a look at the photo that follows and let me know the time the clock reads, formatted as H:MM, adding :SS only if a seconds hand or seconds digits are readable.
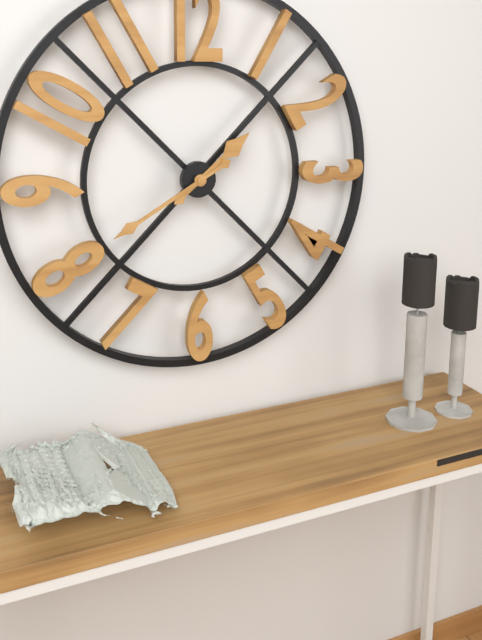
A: 1:40
